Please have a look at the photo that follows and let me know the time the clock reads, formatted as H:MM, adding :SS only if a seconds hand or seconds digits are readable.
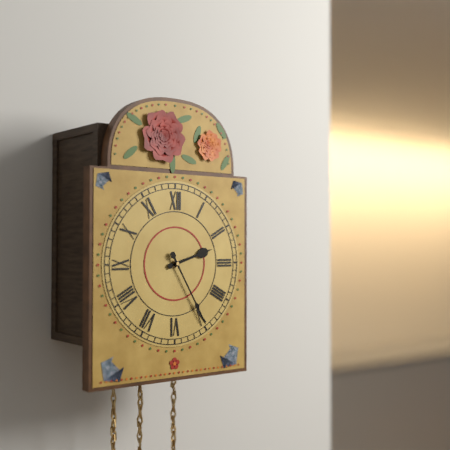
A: 2:25
